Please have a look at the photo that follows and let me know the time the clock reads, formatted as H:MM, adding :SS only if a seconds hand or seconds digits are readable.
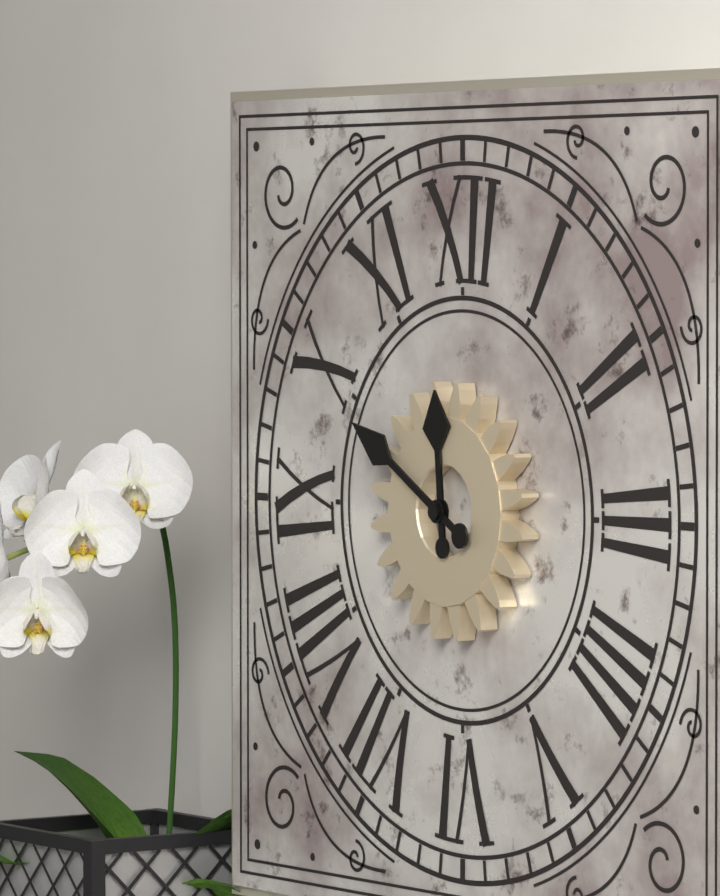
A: 11:50
